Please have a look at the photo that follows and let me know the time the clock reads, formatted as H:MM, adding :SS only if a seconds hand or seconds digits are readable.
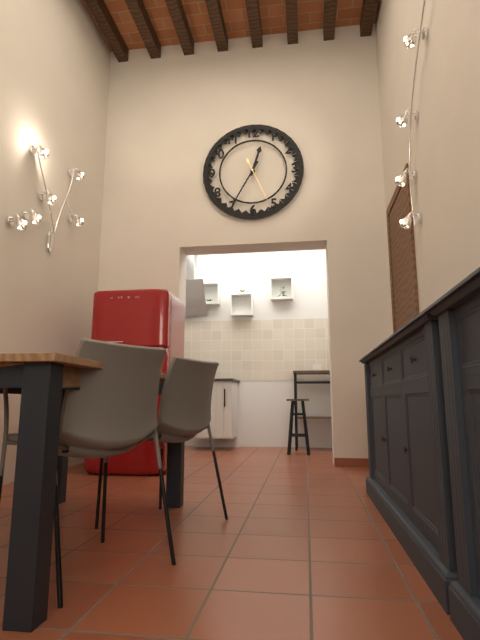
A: 12:35
